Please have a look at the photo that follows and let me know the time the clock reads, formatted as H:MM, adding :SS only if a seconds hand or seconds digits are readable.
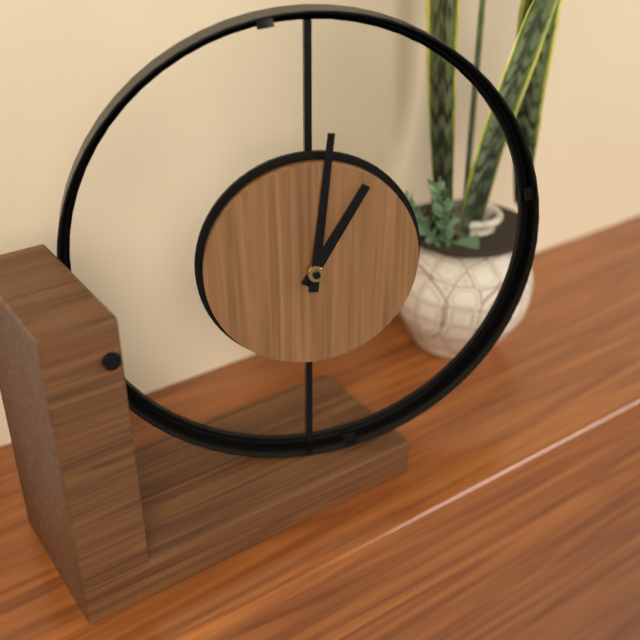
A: 1:01
